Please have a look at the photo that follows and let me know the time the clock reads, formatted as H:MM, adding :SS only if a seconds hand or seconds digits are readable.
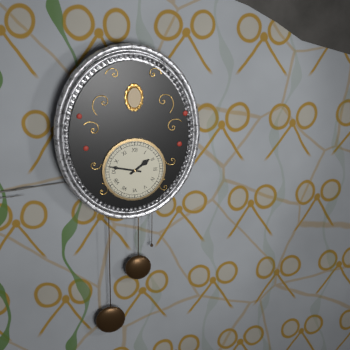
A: 1:47
